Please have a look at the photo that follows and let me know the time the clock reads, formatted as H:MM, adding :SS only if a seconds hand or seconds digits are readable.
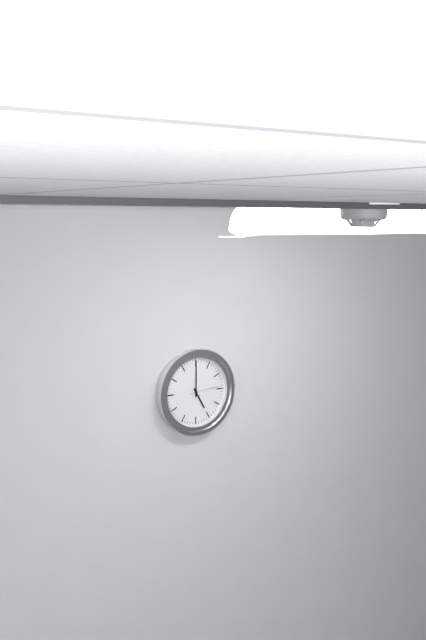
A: 5:00
